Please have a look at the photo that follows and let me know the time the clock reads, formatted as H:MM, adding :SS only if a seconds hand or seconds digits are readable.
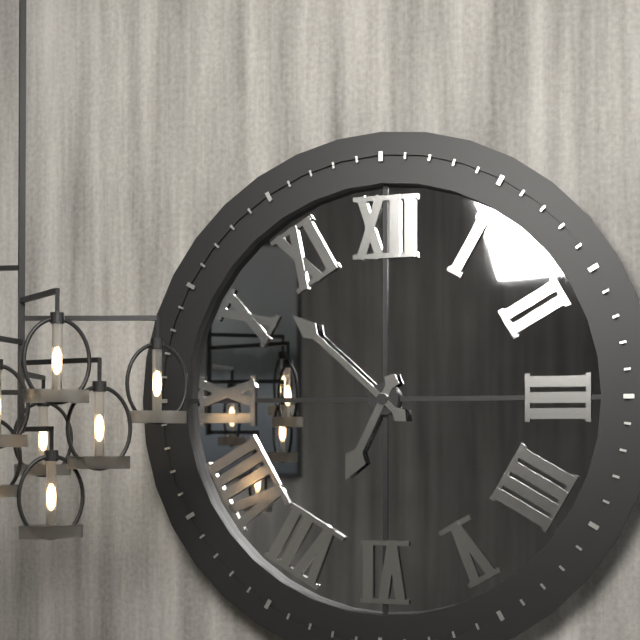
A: 6:52
